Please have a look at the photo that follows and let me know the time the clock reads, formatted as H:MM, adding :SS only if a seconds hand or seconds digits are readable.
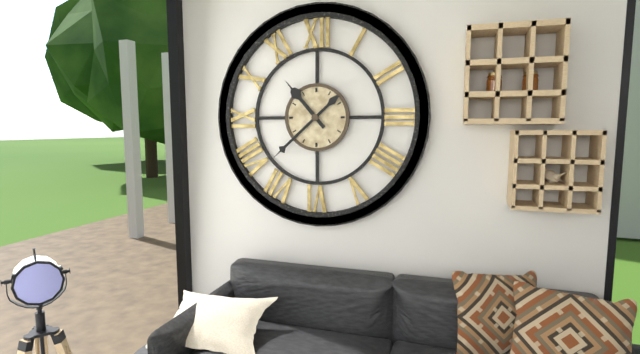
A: 10:38
